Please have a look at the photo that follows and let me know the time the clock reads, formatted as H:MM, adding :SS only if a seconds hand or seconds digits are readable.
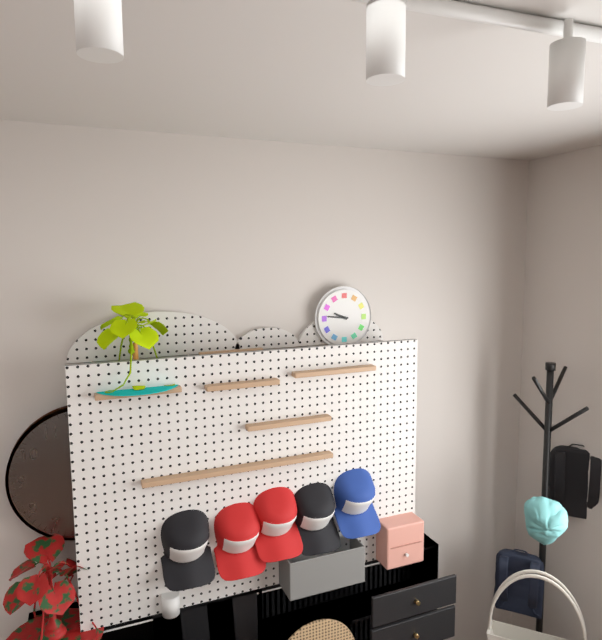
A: 9:46
